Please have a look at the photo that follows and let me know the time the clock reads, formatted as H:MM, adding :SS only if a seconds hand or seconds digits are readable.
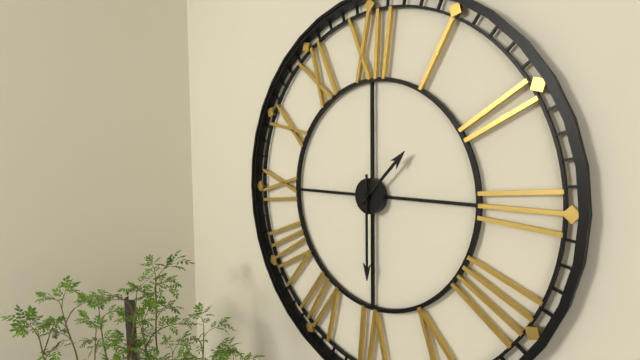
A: 1:30
